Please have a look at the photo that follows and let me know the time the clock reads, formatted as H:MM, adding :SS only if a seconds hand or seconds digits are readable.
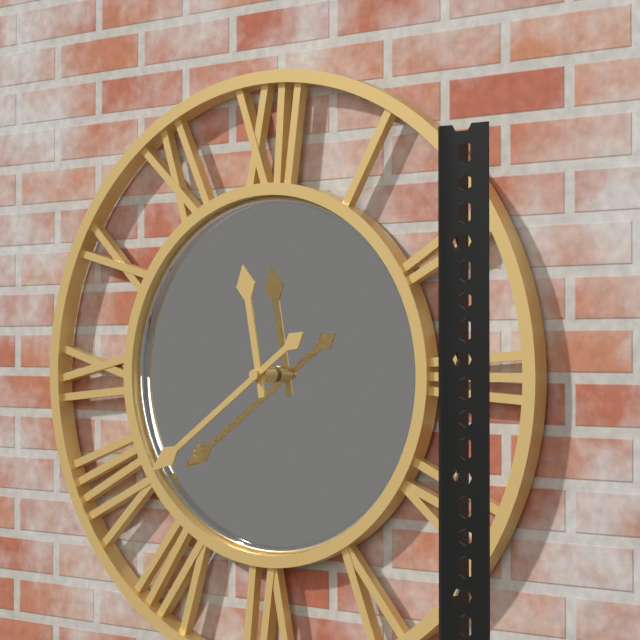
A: 11:39
